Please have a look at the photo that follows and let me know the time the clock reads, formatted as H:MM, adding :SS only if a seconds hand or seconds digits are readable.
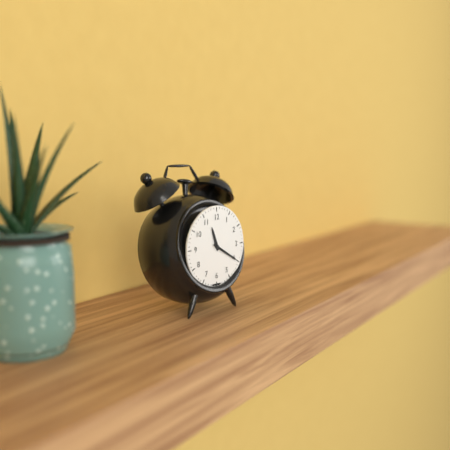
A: 11:20
